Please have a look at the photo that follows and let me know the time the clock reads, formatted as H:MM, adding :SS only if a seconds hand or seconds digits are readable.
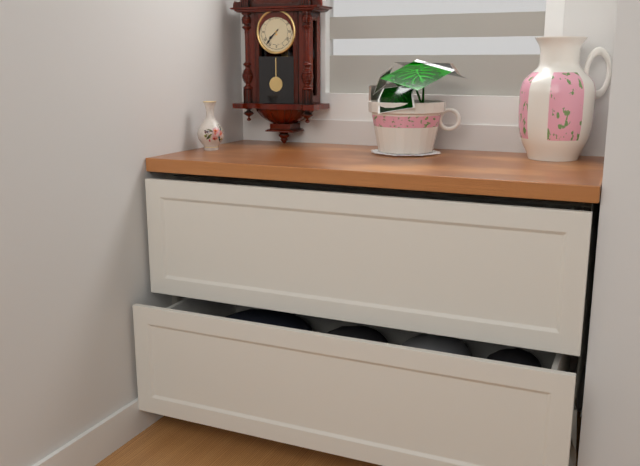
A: 7:37
